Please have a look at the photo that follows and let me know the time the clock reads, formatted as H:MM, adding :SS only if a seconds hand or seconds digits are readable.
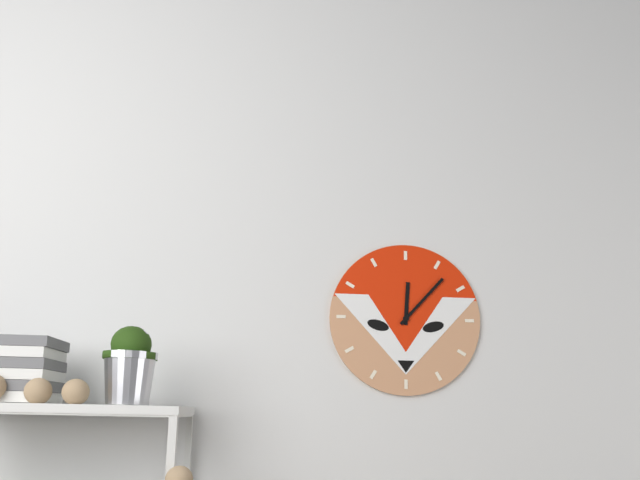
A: 12:07
